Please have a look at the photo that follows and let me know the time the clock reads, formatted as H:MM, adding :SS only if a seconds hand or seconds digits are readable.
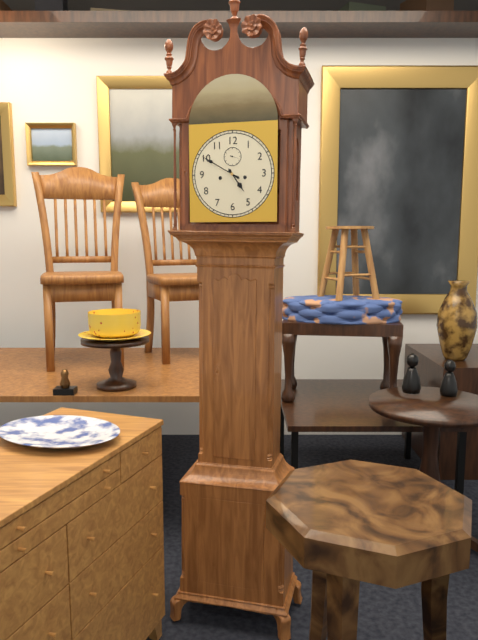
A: 4:50
